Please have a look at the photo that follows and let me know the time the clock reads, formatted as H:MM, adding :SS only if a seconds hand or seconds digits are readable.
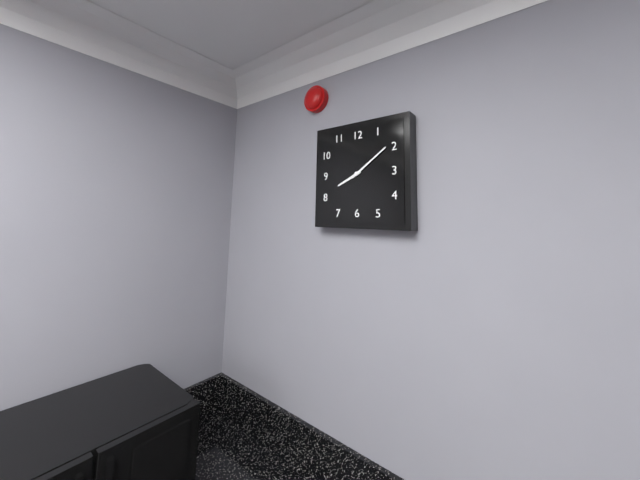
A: 8:09
